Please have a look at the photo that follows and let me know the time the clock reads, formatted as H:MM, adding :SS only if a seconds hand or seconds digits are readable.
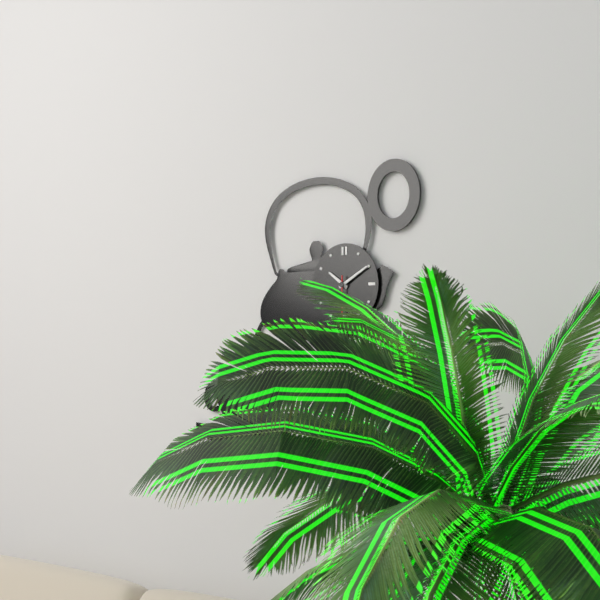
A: 10:10
